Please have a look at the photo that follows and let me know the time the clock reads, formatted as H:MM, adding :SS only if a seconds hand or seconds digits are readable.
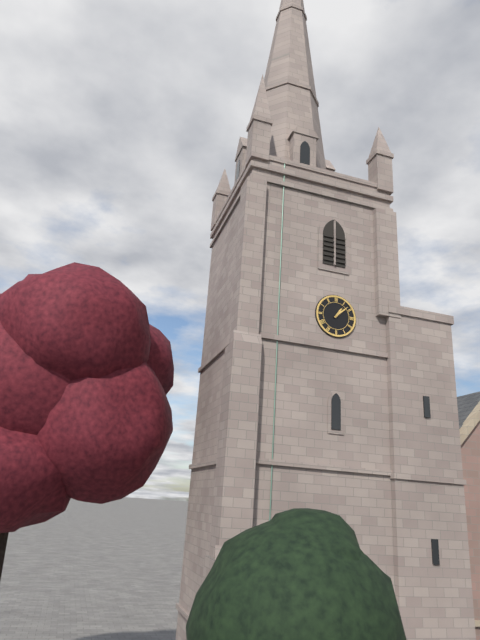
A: 1:08
